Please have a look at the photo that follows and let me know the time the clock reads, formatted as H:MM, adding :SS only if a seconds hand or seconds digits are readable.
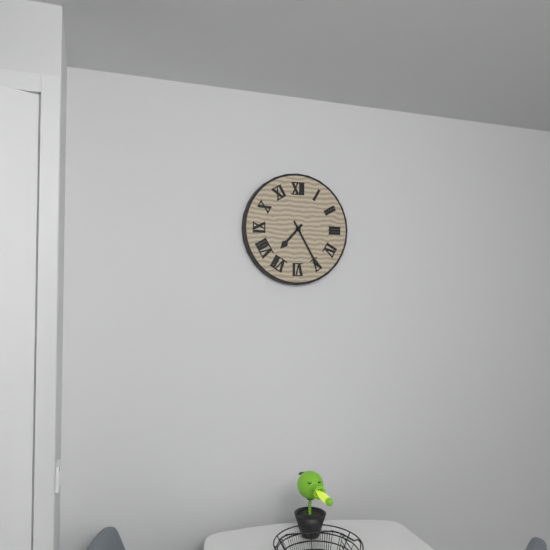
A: 7:25
